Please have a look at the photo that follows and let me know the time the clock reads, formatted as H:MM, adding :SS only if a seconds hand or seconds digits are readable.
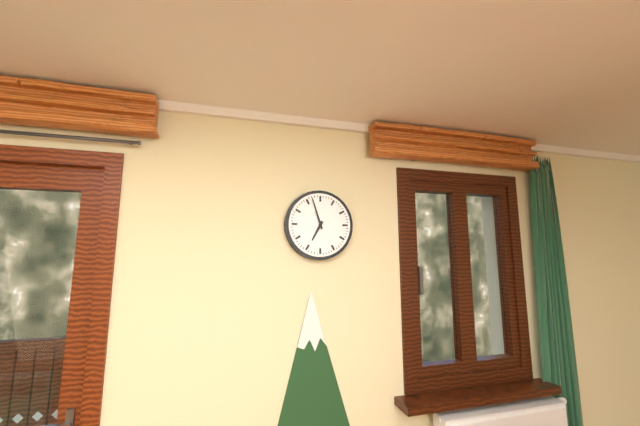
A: 6:57
